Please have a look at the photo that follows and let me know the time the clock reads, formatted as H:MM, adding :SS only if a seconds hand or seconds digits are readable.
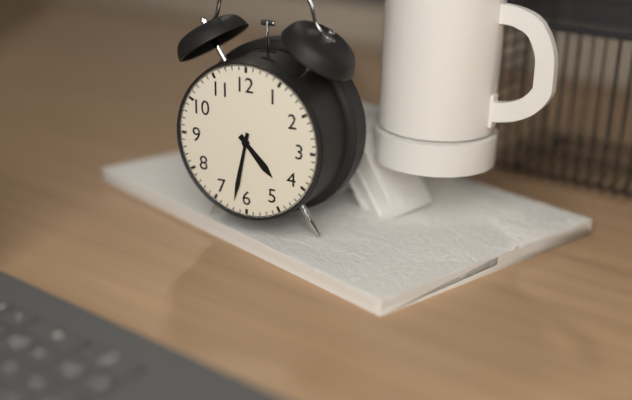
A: 4:32
